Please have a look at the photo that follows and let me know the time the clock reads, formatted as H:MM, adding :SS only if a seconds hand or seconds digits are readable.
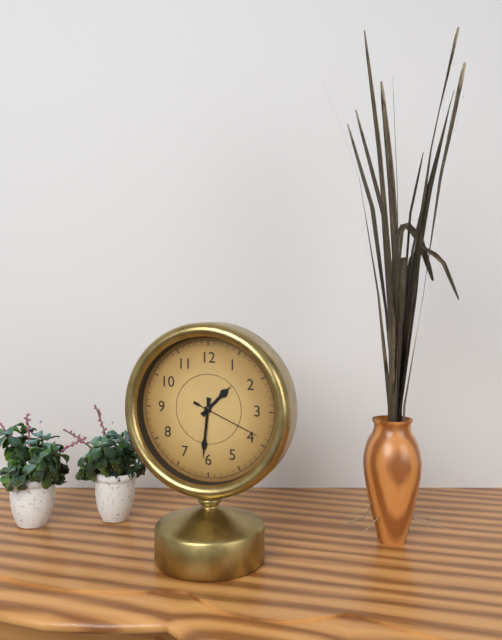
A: 1:31:19
